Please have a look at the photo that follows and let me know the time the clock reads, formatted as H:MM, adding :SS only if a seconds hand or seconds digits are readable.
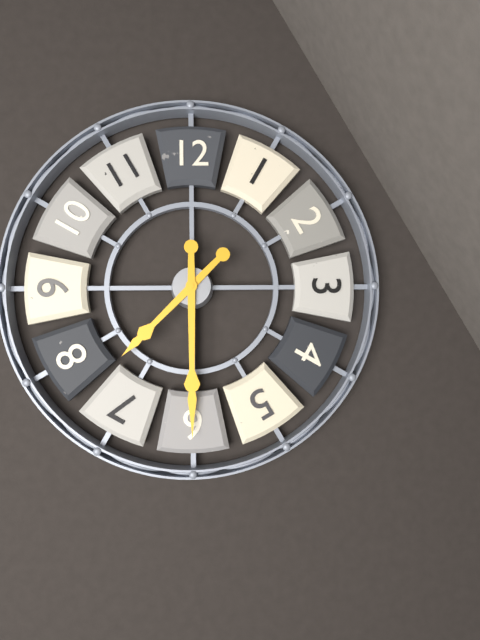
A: 7:30
